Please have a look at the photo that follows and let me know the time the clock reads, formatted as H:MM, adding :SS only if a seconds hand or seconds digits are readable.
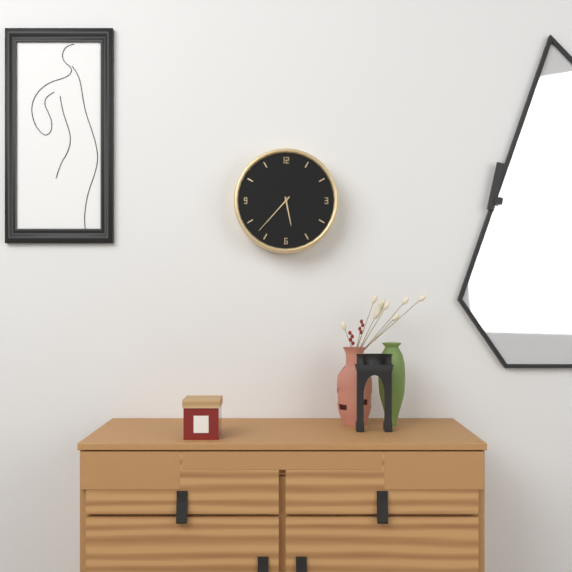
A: 5:37
